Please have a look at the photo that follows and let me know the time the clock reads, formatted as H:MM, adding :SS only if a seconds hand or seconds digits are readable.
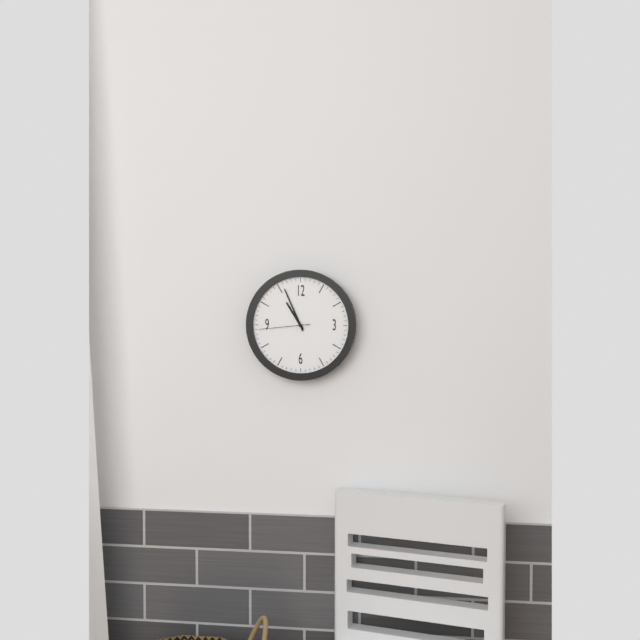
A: 10:56:44
